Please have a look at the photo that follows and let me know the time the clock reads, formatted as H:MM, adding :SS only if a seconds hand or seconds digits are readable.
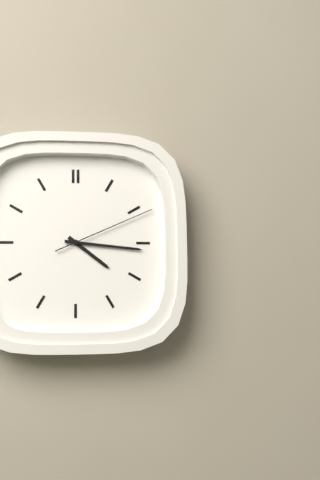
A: 4:16:11
